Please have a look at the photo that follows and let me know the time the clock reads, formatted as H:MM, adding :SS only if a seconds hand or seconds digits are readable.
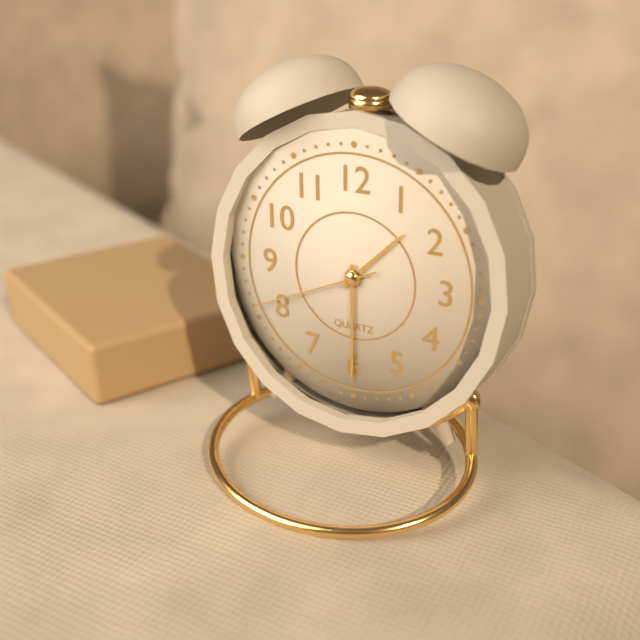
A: 1:30:41
